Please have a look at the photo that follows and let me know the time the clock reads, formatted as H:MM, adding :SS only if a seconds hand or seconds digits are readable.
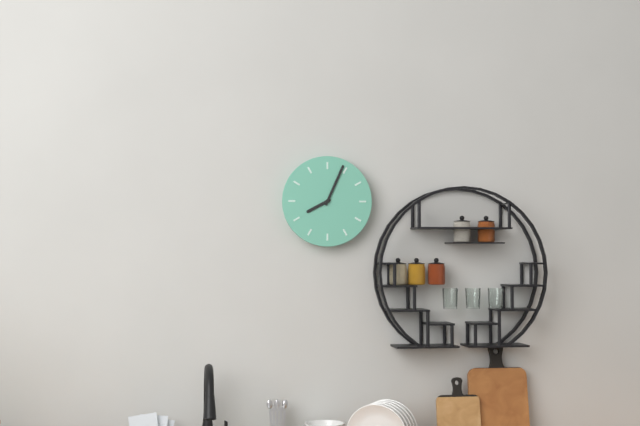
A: 8:04
